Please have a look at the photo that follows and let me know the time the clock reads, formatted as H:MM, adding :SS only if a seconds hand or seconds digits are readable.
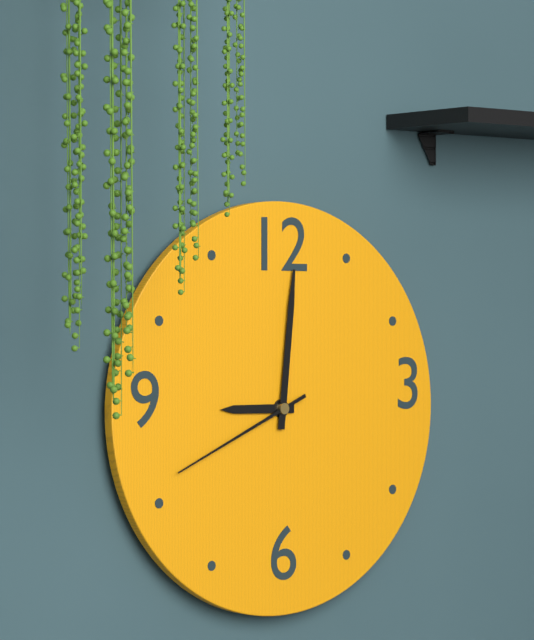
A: 9:01:41
